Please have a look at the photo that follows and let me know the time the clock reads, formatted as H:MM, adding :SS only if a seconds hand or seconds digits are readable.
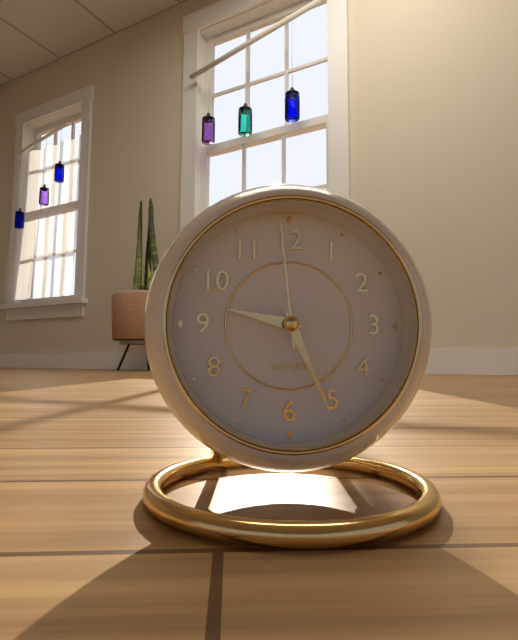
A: 9:26:59
